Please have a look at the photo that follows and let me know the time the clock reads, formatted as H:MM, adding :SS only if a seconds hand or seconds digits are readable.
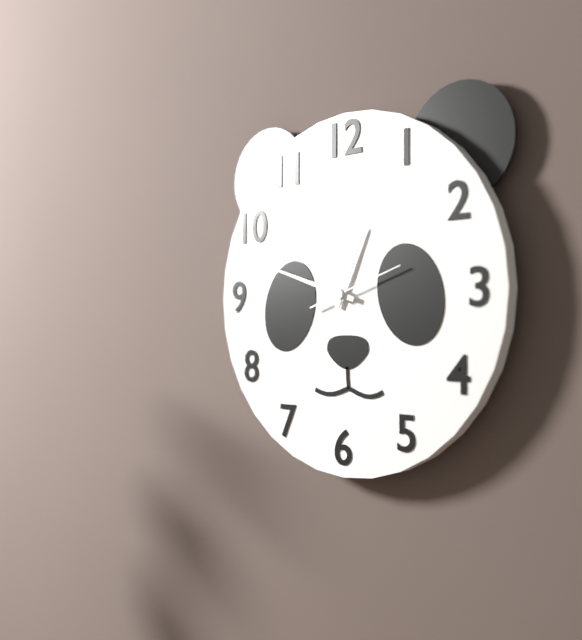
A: 12:48:12
